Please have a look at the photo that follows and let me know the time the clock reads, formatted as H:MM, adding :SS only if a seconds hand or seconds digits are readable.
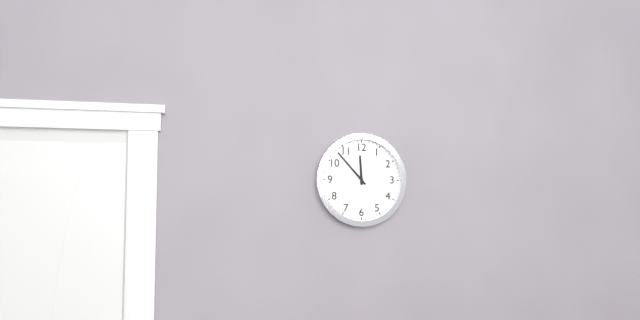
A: 11:53
